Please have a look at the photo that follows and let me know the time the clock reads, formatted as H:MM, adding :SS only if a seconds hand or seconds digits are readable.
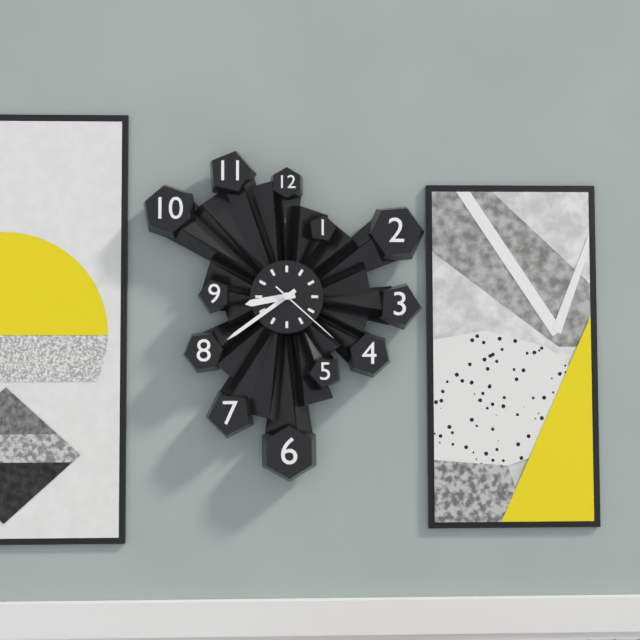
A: 8:39:22
